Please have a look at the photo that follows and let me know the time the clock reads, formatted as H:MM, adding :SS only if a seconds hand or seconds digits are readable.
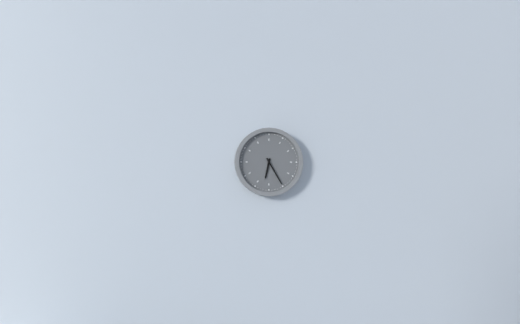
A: 6:25
